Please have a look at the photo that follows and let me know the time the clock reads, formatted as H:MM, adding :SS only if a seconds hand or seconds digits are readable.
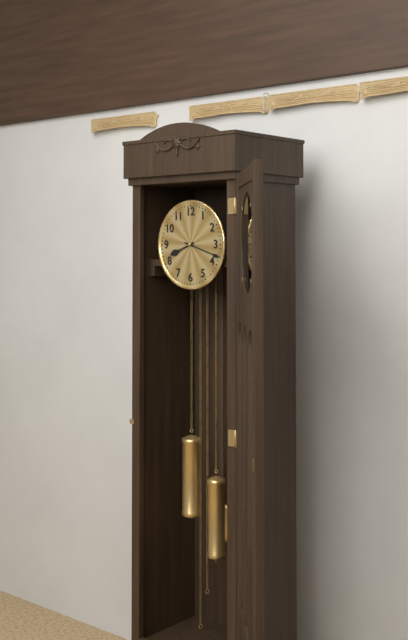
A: 8:18
